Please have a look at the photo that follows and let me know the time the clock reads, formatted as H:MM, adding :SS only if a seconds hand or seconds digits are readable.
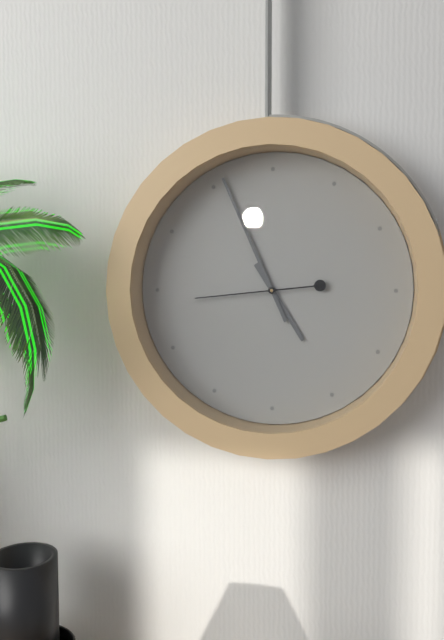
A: 4:56:44
